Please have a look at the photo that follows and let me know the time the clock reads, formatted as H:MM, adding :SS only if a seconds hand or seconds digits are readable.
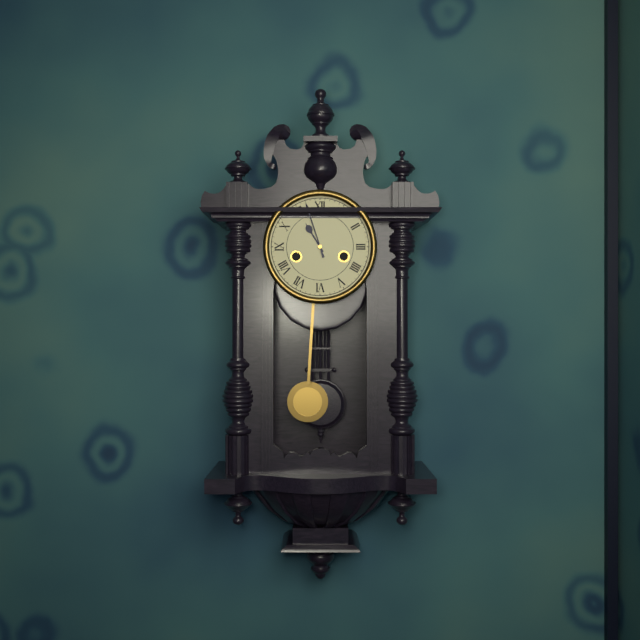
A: 10:57
